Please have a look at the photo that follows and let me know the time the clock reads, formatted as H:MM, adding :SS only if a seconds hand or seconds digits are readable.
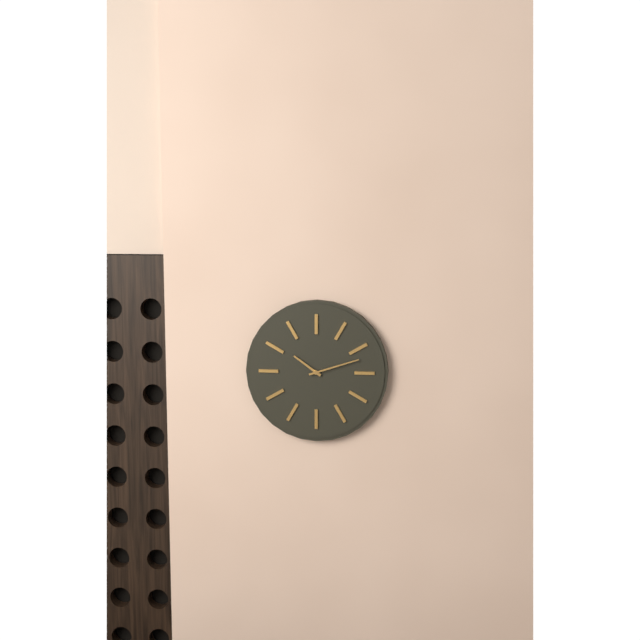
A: 10:12
